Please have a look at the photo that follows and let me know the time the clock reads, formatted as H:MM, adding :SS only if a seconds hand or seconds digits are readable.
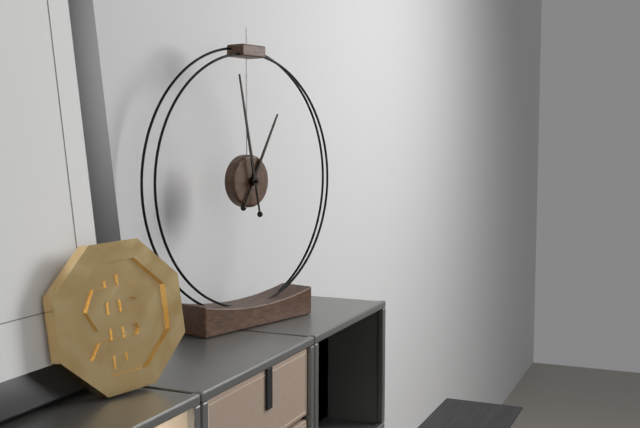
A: 12:58
